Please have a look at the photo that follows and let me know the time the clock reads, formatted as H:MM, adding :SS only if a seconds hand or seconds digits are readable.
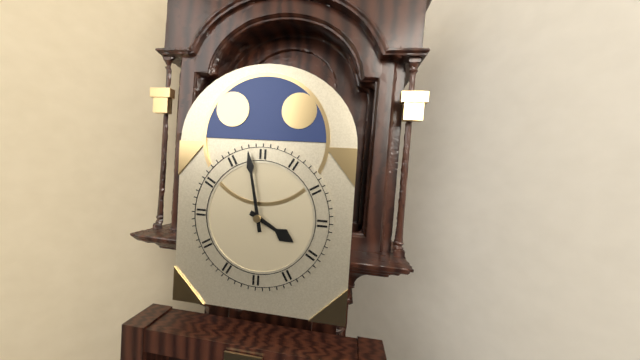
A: 3:58
